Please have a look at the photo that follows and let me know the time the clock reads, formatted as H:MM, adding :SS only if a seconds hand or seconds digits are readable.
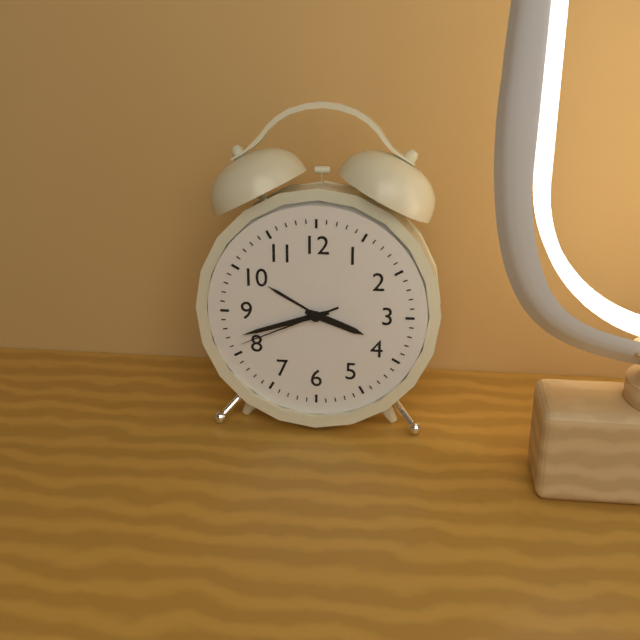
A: 3:42:41
